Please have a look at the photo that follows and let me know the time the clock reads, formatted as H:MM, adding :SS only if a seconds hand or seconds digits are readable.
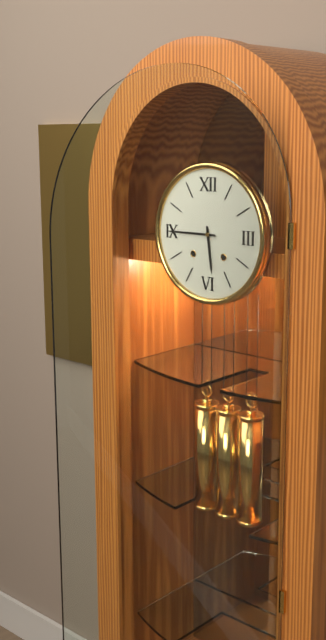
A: 5:45
